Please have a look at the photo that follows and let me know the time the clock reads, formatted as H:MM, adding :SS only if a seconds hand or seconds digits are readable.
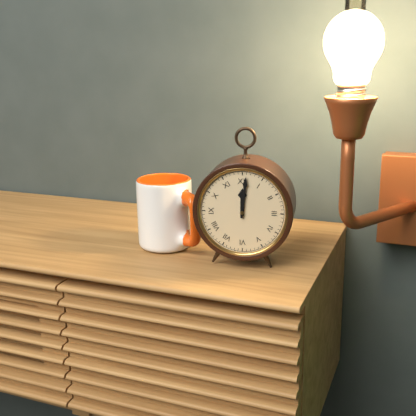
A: 12:01
